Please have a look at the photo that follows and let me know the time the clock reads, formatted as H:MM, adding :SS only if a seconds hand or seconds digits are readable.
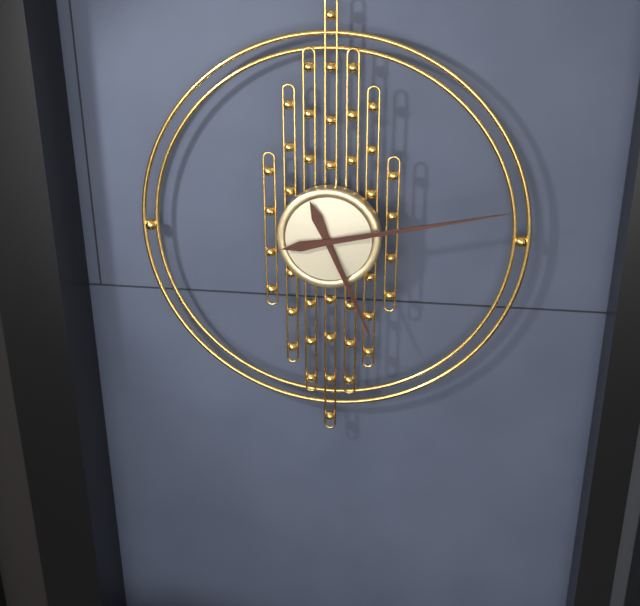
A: 5:13
